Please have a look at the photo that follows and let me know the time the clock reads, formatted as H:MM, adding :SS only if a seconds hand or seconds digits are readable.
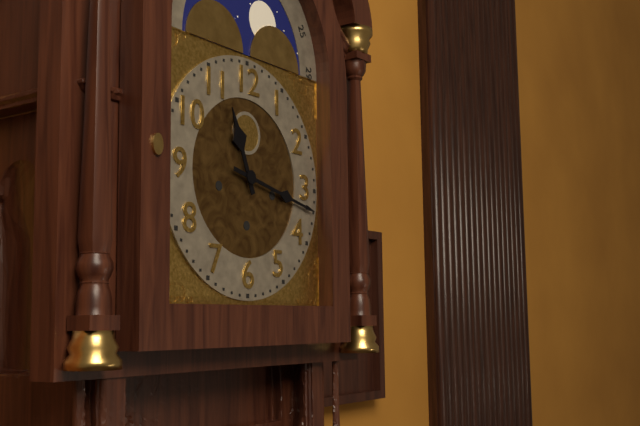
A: 11:17
